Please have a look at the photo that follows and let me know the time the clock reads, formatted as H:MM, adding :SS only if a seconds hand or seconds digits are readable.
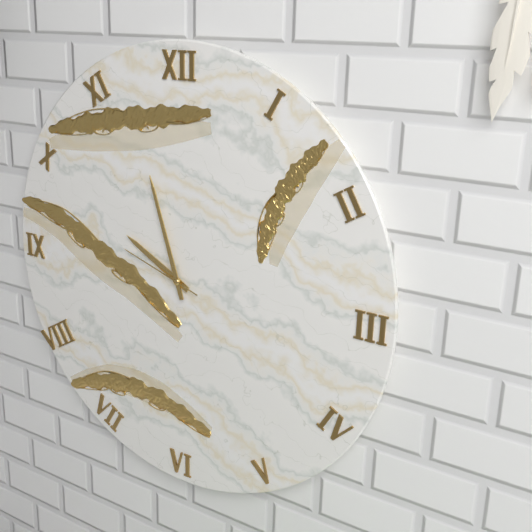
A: 9:57:48
